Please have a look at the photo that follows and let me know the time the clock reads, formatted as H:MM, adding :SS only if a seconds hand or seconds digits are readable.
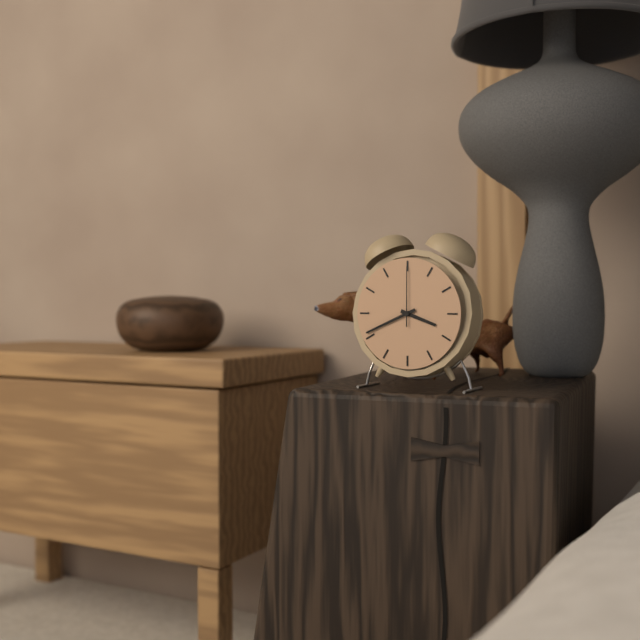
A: 3:41:00
